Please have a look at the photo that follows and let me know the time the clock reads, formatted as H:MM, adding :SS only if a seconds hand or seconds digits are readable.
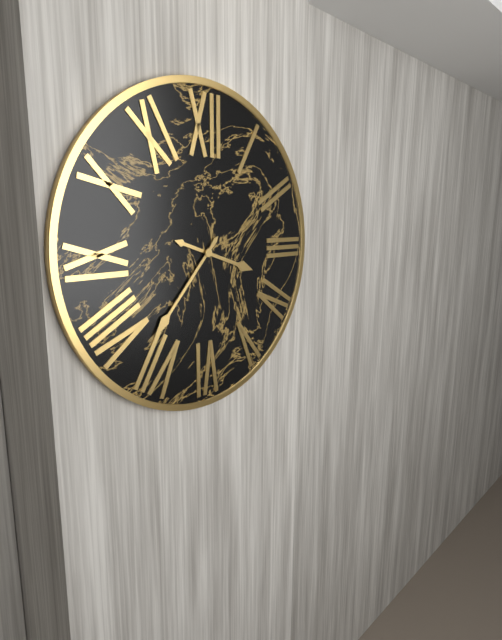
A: 3:37
